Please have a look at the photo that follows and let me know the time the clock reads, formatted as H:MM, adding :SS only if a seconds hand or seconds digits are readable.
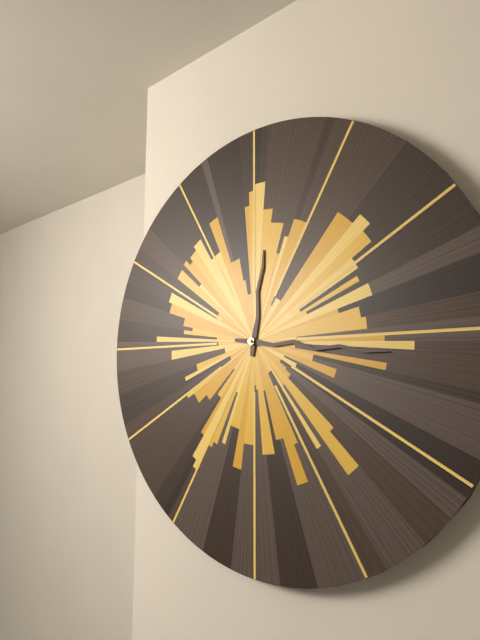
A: 12:16
